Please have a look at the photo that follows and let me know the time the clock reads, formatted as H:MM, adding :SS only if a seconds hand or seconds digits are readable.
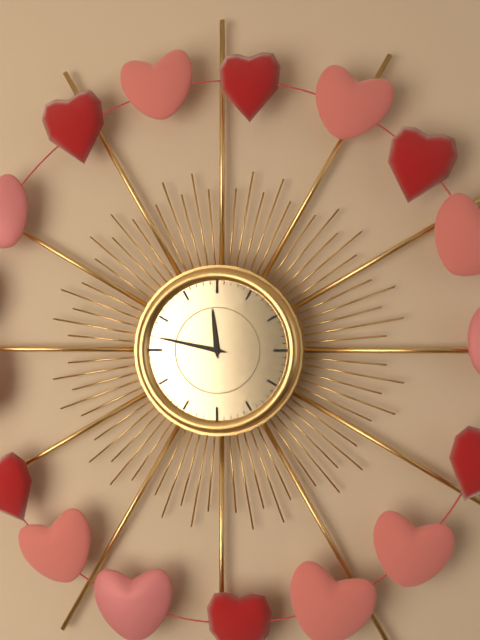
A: 11:47
